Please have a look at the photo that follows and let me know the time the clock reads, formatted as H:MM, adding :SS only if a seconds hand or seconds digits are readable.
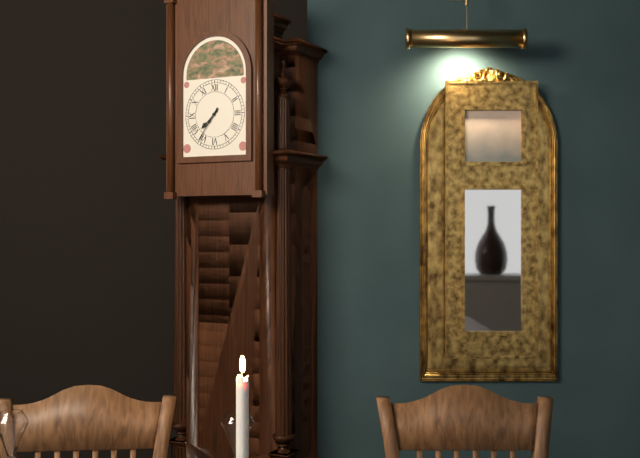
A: 7:36
